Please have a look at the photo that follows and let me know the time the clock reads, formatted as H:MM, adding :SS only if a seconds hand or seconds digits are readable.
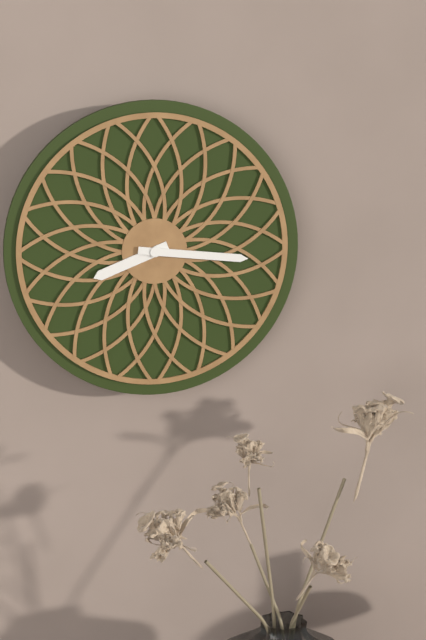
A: 8:16
